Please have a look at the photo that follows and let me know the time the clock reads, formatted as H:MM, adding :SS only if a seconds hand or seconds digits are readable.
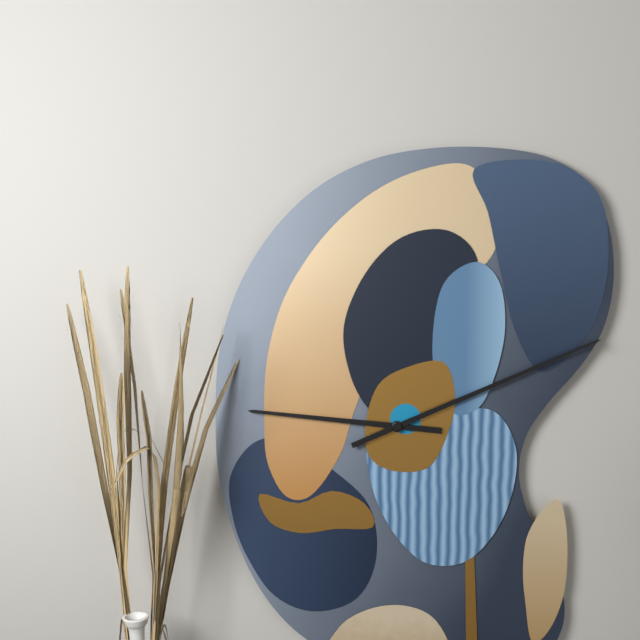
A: 9:11
